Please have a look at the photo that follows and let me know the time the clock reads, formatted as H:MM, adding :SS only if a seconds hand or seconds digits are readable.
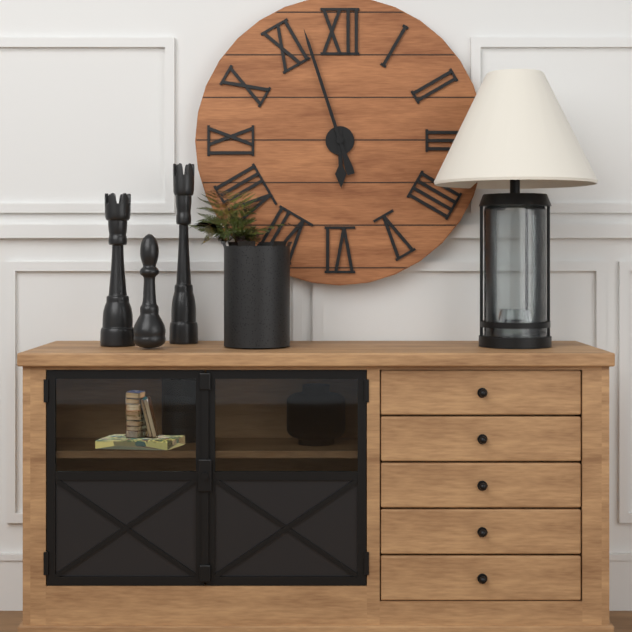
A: 5:57
